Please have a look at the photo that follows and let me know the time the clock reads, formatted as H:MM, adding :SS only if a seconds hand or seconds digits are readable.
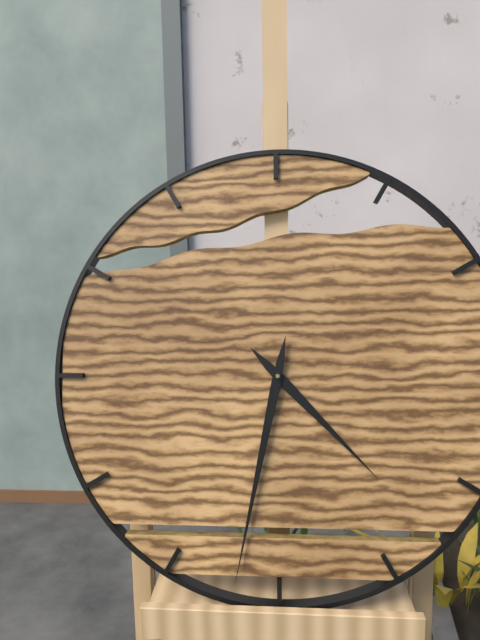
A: 4:32
